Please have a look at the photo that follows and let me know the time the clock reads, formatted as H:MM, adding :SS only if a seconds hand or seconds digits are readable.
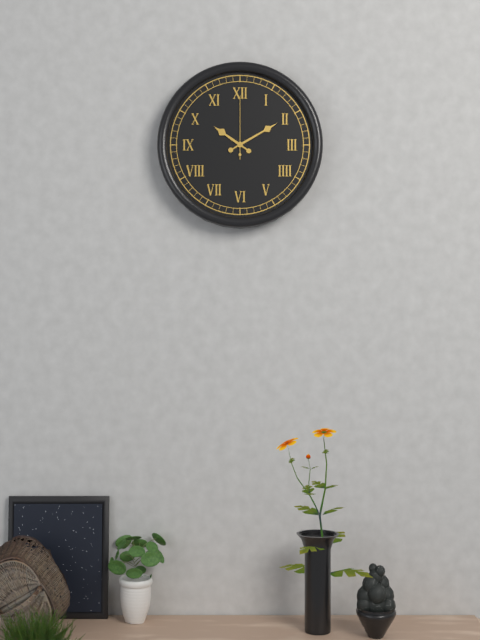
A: 10:10:00
